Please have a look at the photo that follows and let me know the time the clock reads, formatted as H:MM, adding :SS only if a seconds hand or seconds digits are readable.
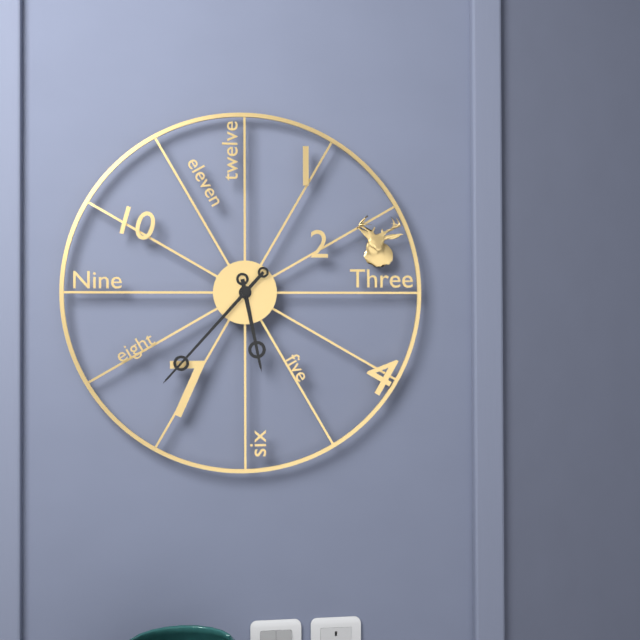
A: 5:37
